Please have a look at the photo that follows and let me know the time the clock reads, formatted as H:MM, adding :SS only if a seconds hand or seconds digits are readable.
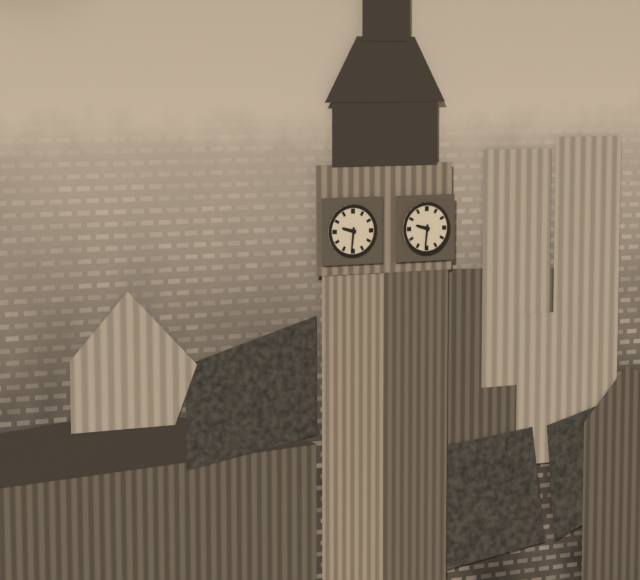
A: 9:31
